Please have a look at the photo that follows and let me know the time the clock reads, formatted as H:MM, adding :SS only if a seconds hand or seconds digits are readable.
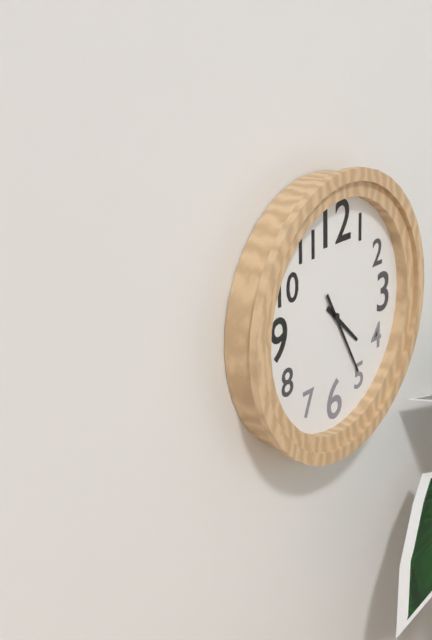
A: 4:25
